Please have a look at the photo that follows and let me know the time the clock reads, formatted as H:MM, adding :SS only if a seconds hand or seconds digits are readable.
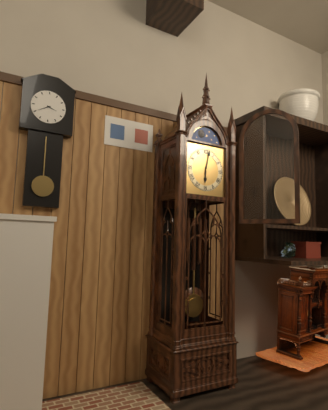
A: 6:02
